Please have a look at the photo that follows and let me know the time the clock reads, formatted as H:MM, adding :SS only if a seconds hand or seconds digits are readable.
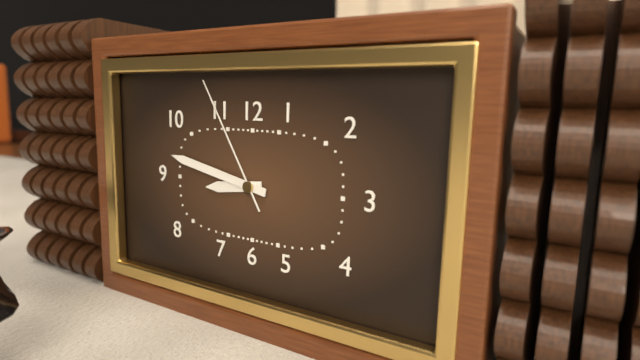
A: 8:47:55
